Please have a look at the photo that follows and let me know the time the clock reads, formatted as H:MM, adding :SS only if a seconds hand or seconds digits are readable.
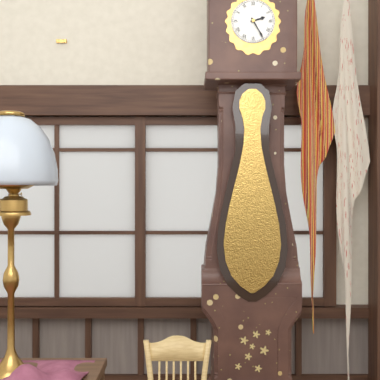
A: 2:25
